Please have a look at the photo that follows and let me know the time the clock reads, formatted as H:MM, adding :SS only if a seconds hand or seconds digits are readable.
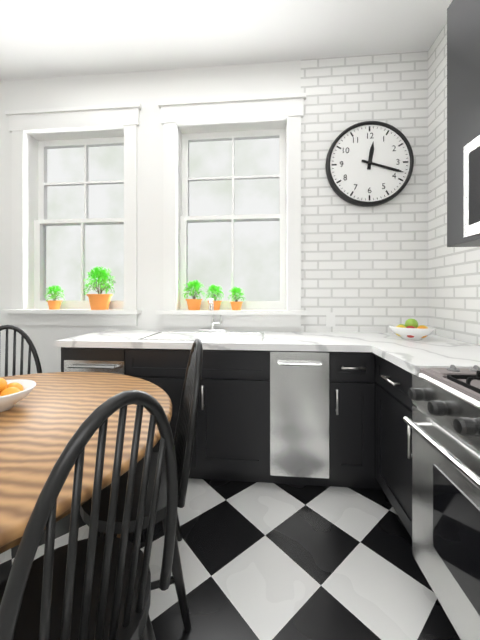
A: 12:18
